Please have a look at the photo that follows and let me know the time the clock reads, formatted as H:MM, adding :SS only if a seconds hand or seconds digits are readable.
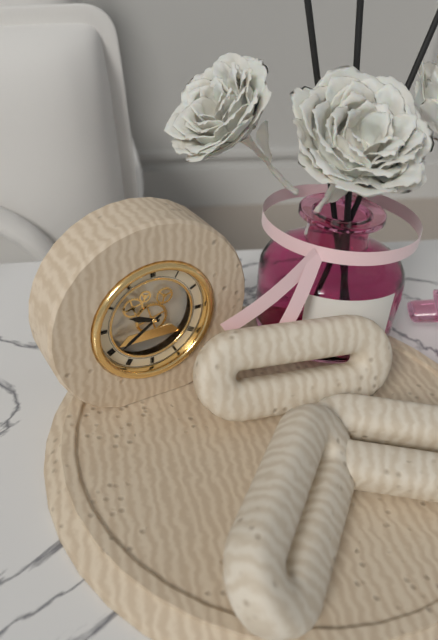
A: 9:39
